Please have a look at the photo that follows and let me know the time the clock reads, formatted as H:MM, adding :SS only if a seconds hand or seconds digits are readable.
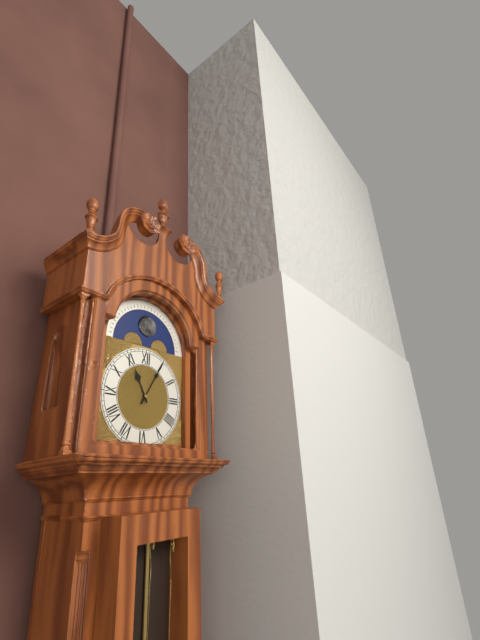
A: 11:05
